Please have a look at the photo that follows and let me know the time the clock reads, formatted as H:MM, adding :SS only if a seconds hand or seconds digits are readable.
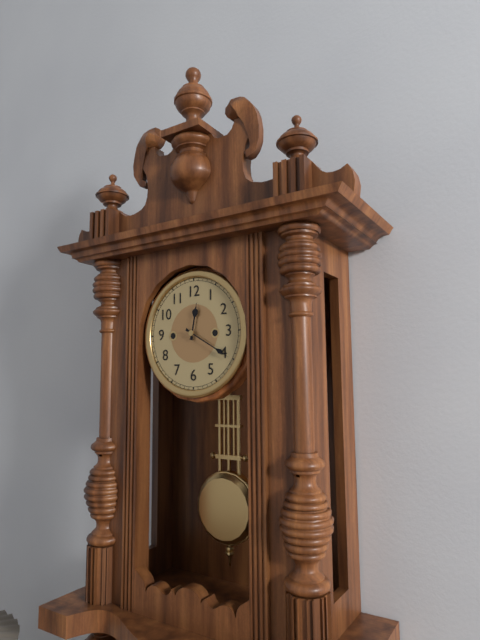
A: 12:20
